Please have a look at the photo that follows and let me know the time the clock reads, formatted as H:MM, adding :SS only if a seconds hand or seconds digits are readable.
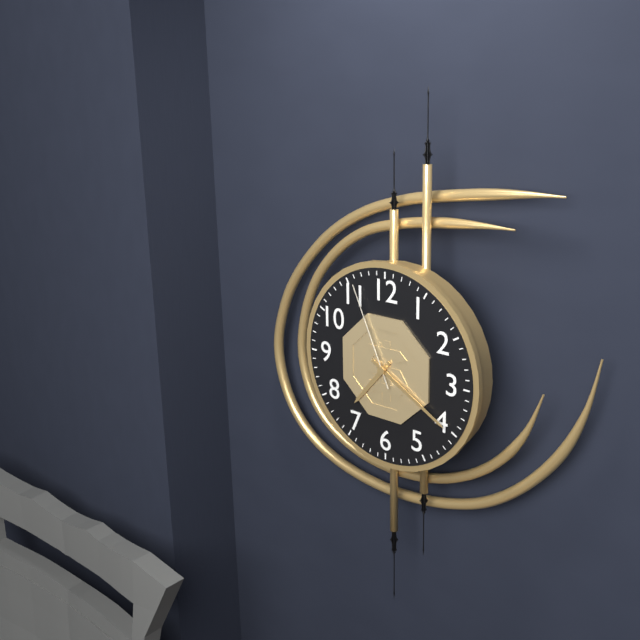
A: 7:20:56
